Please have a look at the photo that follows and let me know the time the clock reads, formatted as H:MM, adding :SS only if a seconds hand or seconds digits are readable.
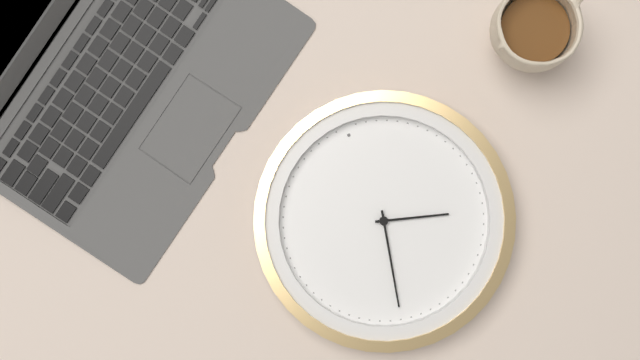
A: 3:32
